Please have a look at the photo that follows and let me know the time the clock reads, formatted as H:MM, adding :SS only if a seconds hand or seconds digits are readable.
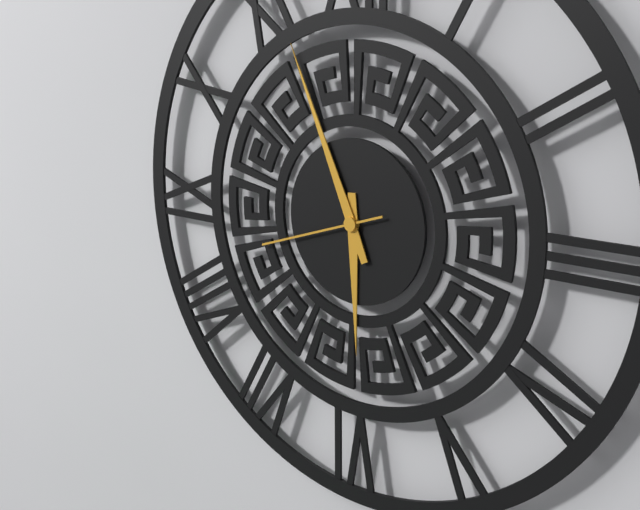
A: 5:56:42
